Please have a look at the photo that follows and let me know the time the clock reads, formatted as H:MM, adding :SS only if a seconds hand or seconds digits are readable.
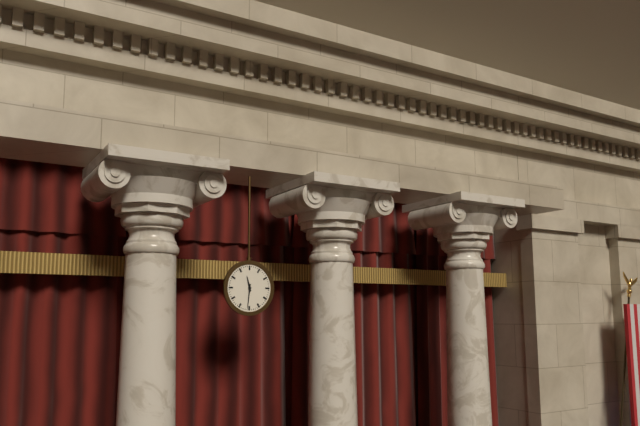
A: 11:31
